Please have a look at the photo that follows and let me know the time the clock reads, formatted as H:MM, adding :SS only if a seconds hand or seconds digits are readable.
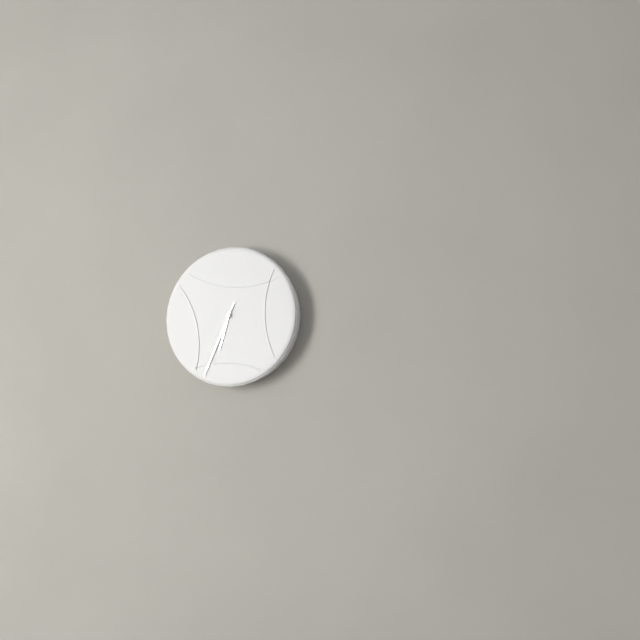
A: 6:34
